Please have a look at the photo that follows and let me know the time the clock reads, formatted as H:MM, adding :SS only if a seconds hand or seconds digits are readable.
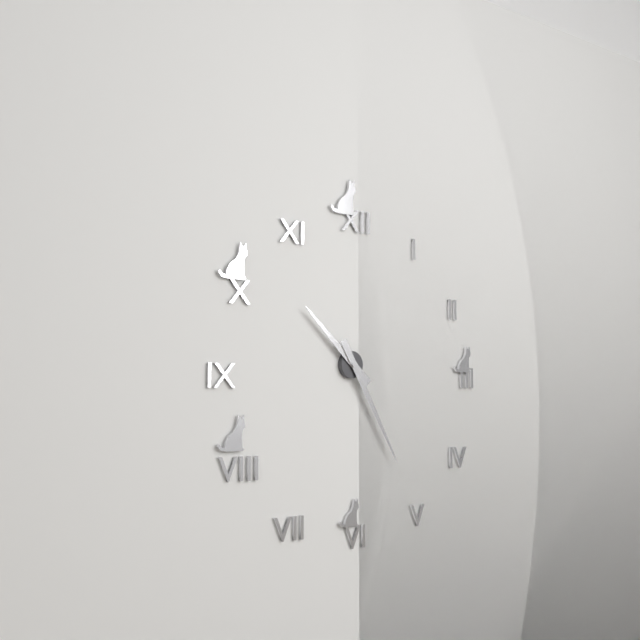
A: 10:25
